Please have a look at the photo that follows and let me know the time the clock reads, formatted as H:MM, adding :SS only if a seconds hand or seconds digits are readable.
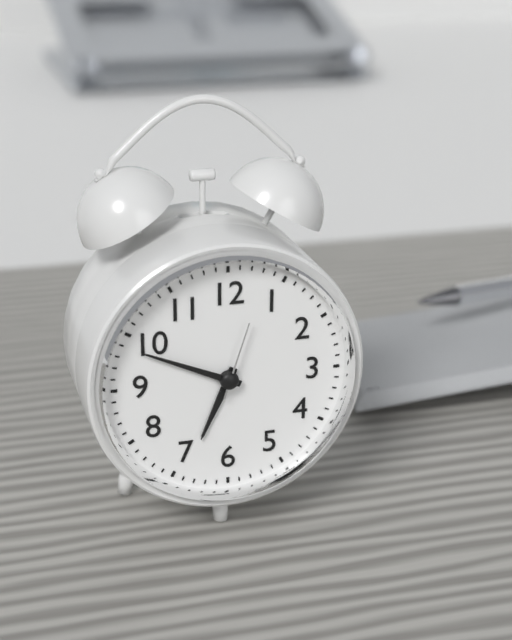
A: 6:49:03
